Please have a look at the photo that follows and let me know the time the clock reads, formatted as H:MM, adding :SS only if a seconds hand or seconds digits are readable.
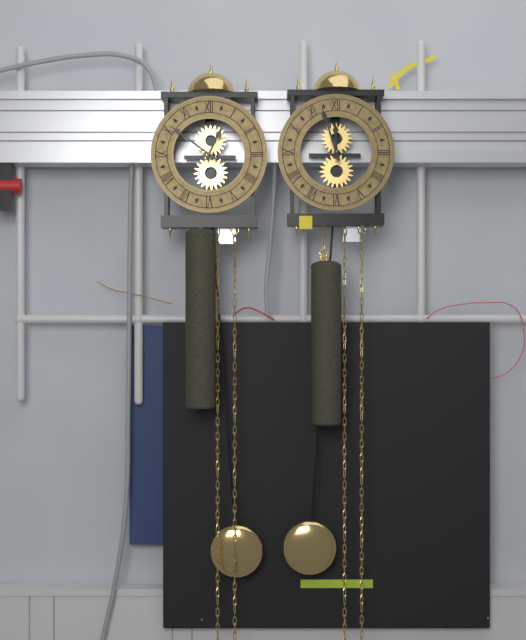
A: 12:51
